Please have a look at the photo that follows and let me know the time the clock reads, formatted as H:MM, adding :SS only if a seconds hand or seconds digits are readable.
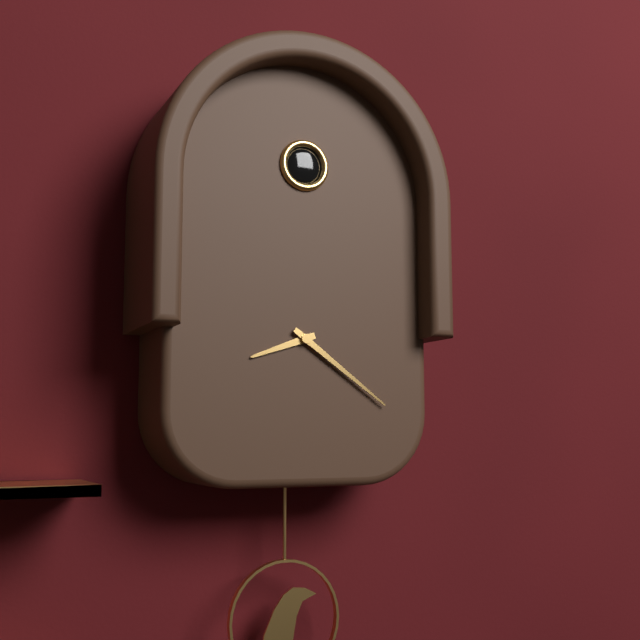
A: 8:21
